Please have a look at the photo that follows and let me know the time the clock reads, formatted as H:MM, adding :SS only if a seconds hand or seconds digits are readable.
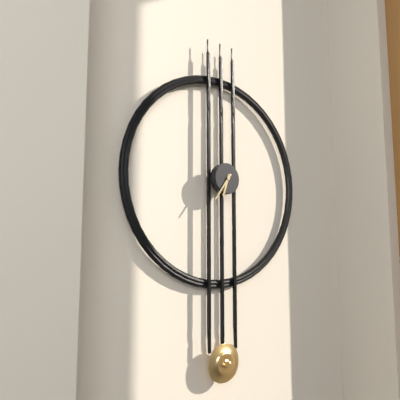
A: 6:36
